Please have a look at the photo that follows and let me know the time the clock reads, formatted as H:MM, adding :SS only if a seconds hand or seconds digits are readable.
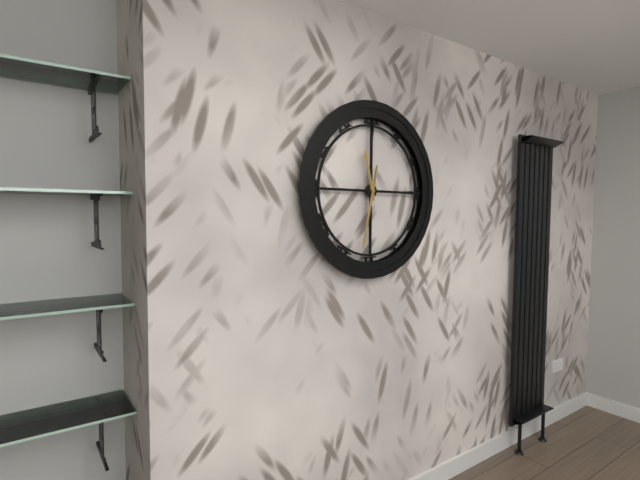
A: 11:32
